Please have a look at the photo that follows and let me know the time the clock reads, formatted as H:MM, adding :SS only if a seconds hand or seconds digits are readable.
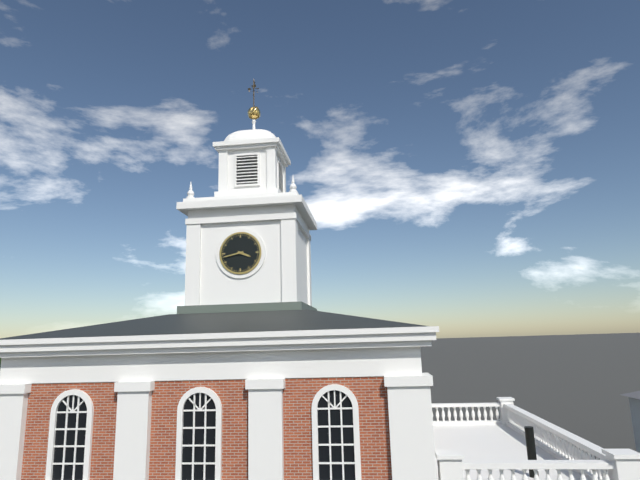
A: 3:43
